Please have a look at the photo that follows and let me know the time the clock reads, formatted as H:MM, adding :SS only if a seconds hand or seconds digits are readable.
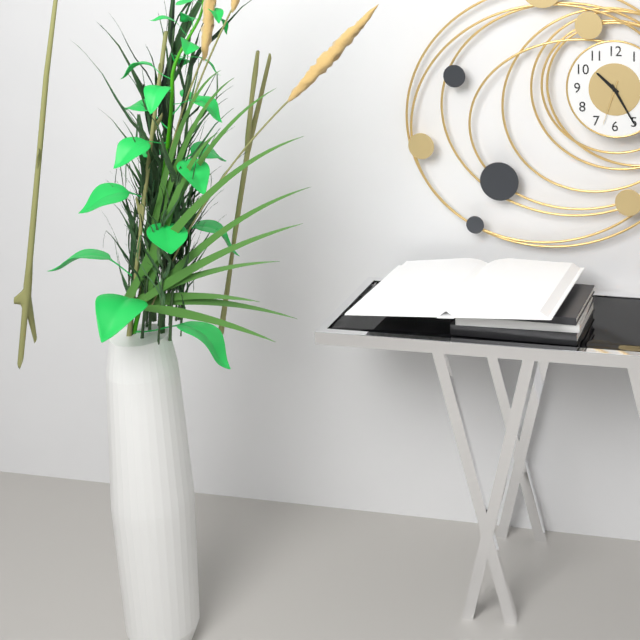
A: 10:25
